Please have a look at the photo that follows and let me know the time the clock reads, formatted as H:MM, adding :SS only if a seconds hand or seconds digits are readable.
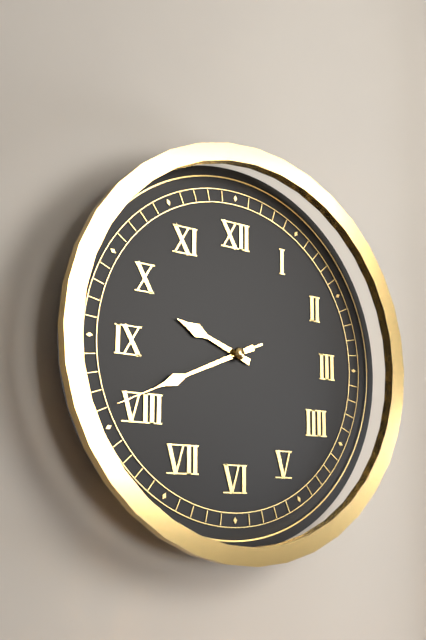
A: 9:41:41
